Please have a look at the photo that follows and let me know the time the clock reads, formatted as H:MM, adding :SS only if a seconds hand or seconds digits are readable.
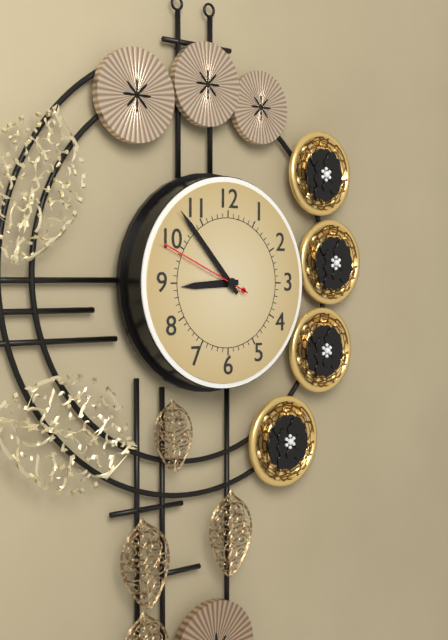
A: 8:53:49
